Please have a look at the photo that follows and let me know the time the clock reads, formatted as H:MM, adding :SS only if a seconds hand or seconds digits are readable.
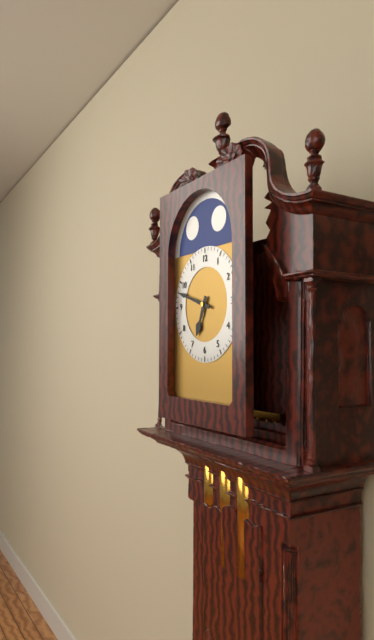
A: 6:48
